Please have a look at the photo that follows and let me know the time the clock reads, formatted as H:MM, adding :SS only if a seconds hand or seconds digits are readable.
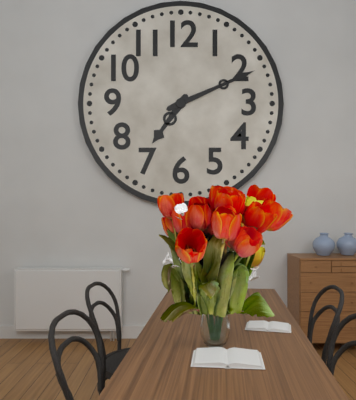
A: 7:11
